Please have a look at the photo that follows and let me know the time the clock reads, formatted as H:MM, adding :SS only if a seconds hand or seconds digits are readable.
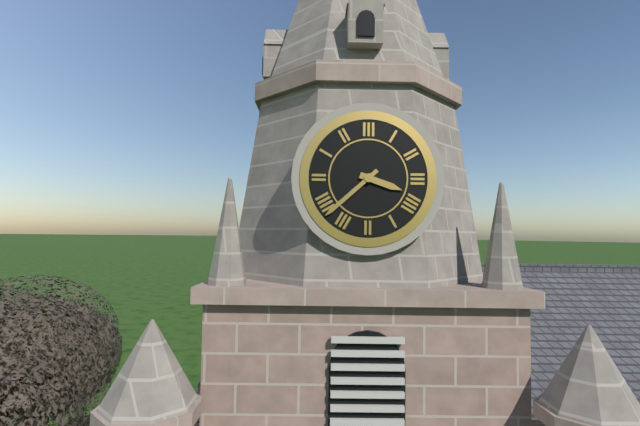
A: 3:38
